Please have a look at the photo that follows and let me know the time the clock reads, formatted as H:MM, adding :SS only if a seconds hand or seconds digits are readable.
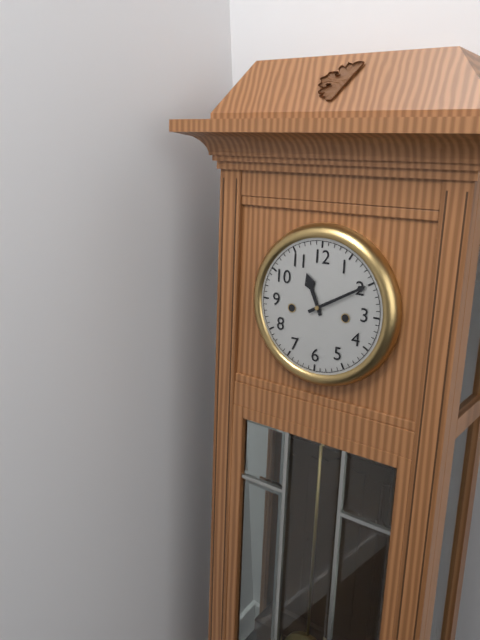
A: 11:10
